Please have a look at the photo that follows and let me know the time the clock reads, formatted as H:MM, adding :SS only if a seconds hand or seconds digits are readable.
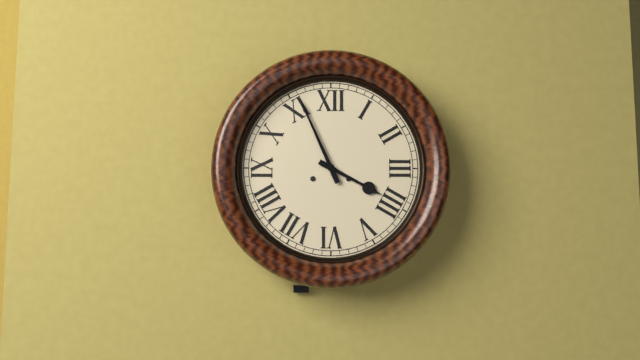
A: 3:56
